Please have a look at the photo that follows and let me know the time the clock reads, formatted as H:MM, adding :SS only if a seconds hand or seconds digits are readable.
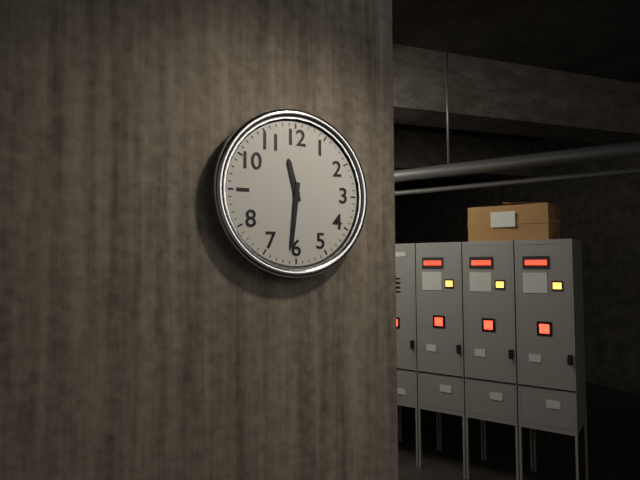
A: 11:31
